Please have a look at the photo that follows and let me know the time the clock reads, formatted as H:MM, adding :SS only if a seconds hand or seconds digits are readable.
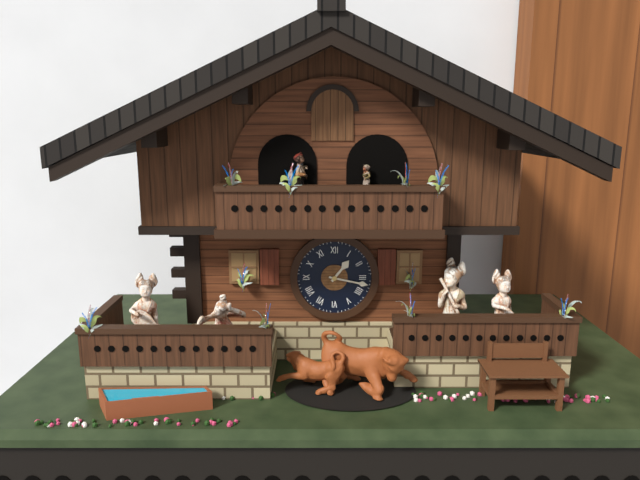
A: 1:17
